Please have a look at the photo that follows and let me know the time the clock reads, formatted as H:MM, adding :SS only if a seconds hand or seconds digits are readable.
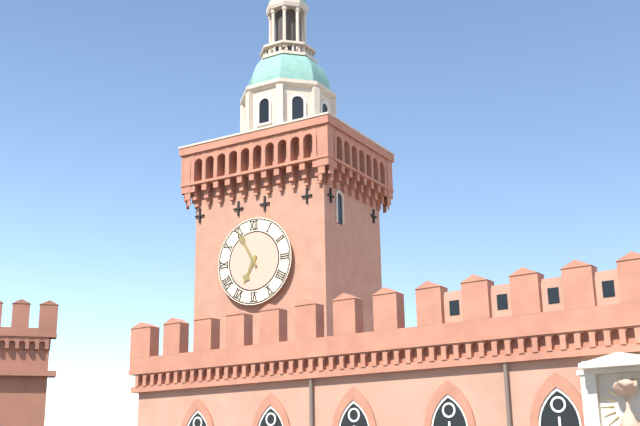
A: 6:55
